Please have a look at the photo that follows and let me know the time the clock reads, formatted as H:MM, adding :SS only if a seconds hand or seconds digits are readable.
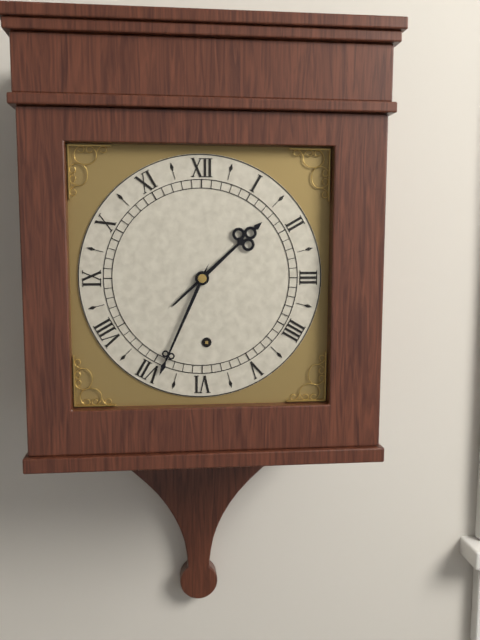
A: 1:34
